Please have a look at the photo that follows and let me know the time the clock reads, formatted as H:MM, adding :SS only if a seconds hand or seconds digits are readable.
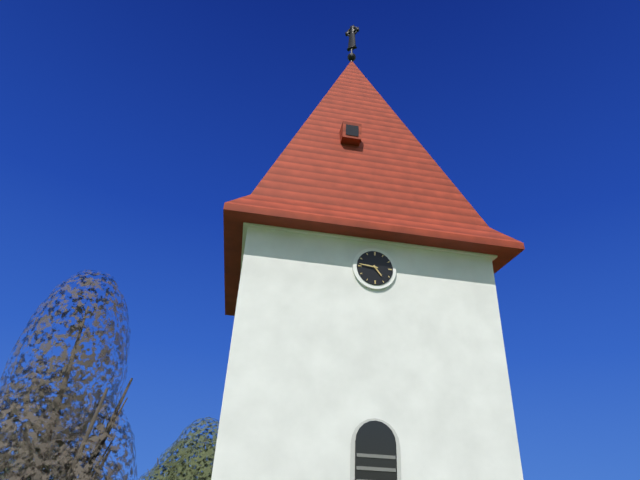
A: 4:46
